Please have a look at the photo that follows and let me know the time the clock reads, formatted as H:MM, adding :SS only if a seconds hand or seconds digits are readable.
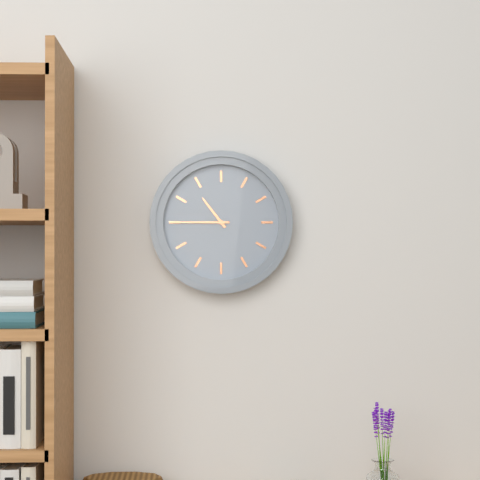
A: 10:45
